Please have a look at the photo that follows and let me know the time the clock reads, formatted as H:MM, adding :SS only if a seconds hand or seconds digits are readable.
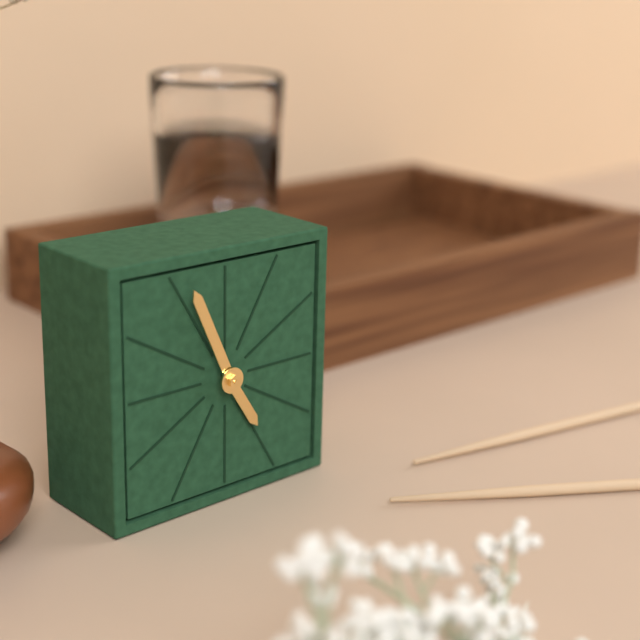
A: 4:56
